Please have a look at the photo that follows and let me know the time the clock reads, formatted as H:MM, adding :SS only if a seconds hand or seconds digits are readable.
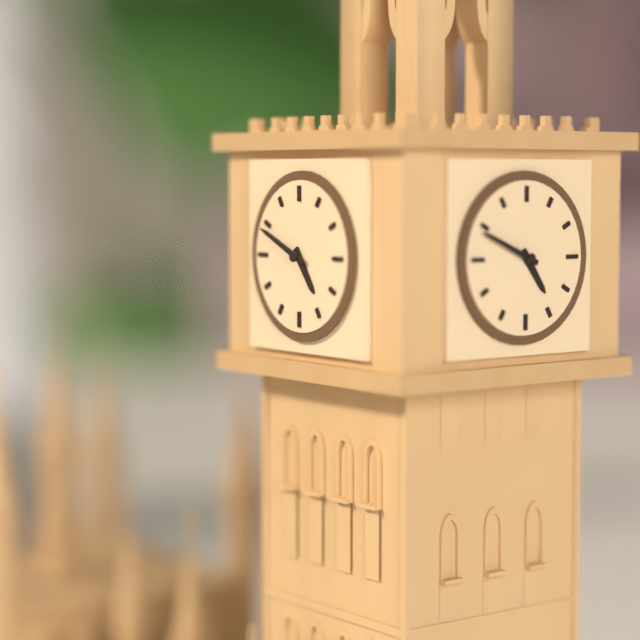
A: 4:49
